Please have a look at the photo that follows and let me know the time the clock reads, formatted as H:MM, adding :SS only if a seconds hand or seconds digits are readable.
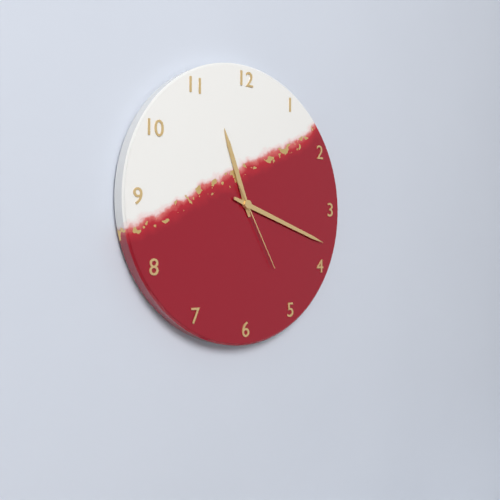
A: 11:18:25
